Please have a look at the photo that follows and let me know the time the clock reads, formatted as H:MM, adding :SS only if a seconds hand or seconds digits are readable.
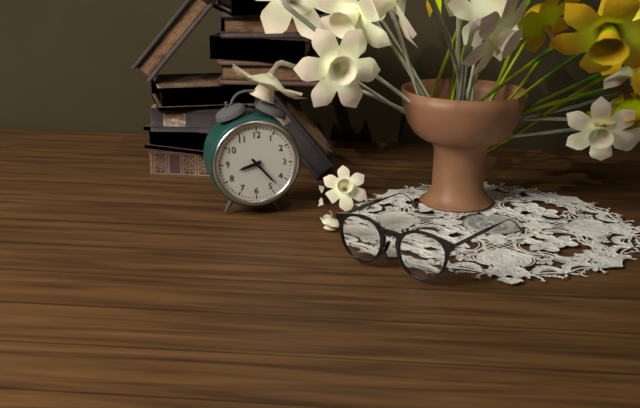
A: 8:23
